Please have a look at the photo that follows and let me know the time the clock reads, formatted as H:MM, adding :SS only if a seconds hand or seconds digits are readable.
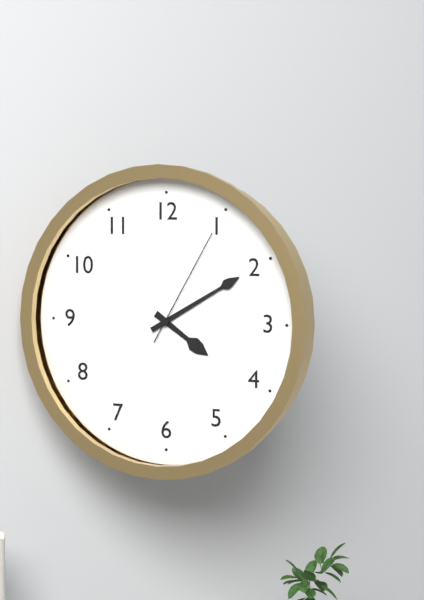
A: 4:10:05
